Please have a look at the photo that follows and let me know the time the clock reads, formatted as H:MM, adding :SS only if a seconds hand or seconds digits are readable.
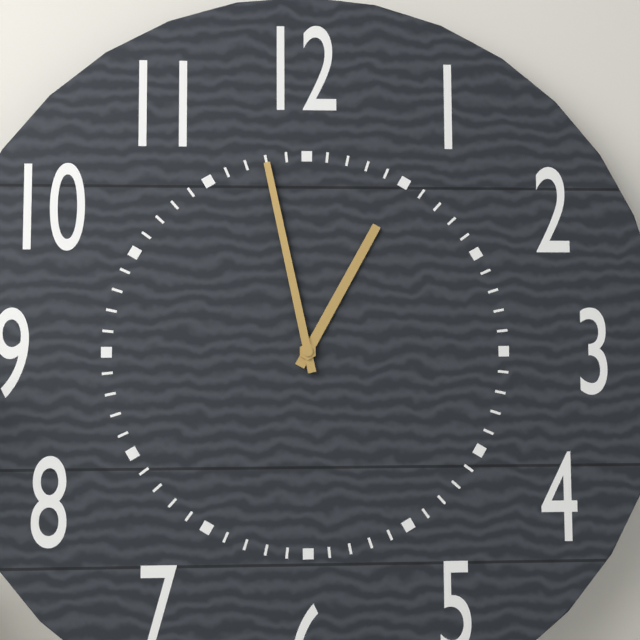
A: 12:58
